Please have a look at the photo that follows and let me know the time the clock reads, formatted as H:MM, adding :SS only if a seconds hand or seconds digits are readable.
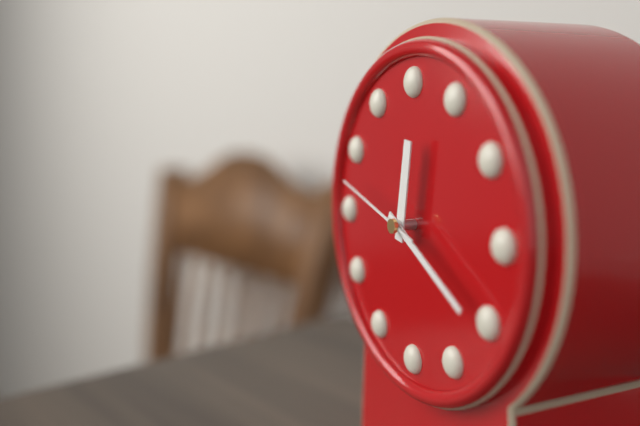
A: 12:20:48
